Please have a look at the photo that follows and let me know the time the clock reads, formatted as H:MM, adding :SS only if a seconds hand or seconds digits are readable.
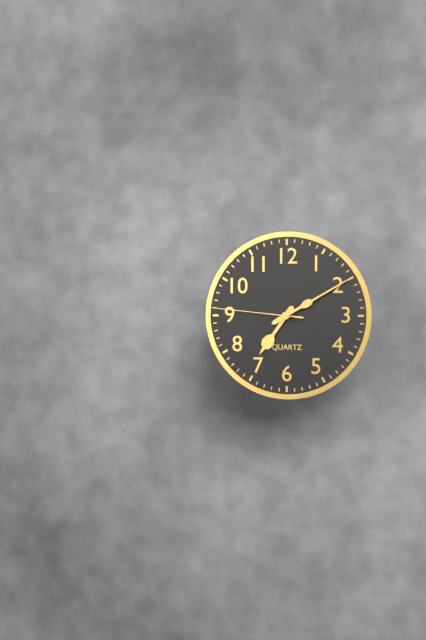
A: 7:10:46
